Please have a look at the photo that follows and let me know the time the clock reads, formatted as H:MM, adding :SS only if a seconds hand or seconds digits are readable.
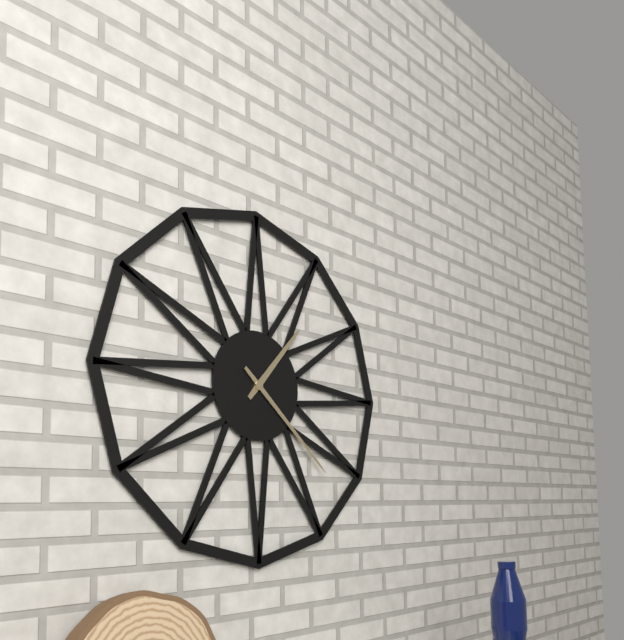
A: 1:22
